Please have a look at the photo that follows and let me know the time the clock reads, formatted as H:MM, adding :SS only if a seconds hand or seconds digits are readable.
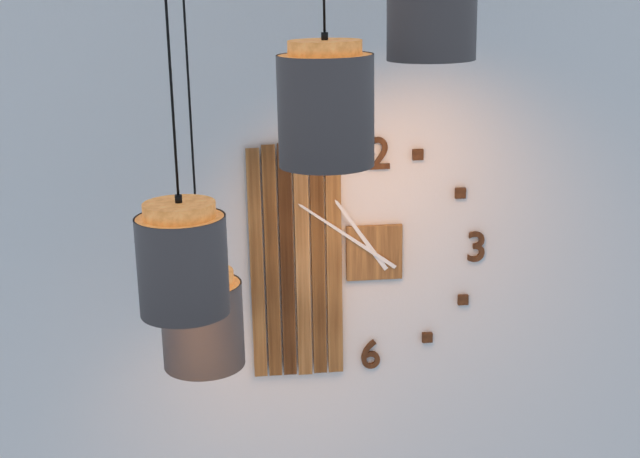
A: 10:51
